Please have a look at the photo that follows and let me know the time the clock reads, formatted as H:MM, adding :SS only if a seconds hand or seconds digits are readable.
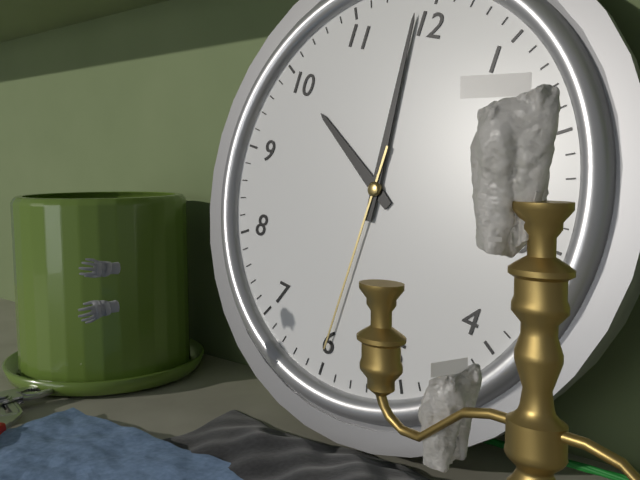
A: 9:59:30
